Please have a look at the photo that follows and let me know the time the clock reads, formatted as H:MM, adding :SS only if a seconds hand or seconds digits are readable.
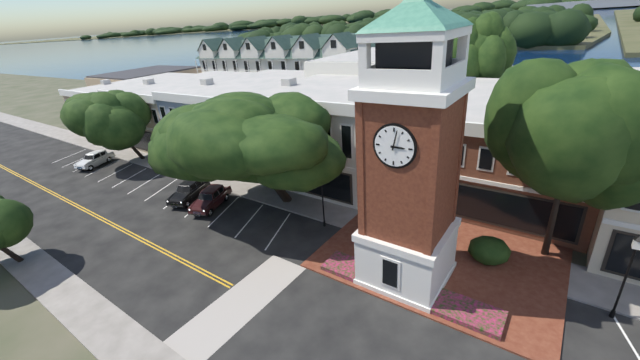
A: 3:02
